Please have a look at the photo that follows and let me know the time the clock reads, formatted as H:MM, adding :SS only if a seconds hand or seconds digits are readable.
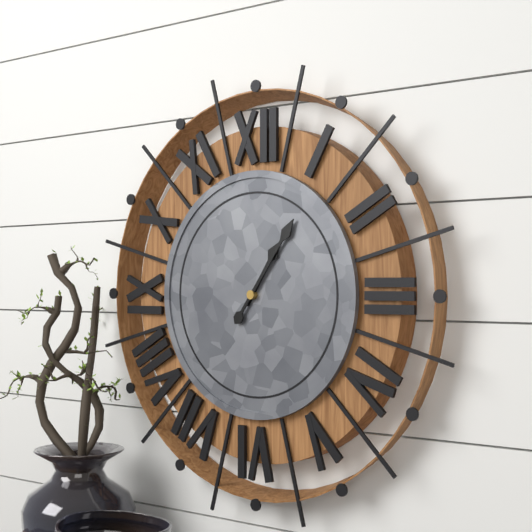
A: 1:06
